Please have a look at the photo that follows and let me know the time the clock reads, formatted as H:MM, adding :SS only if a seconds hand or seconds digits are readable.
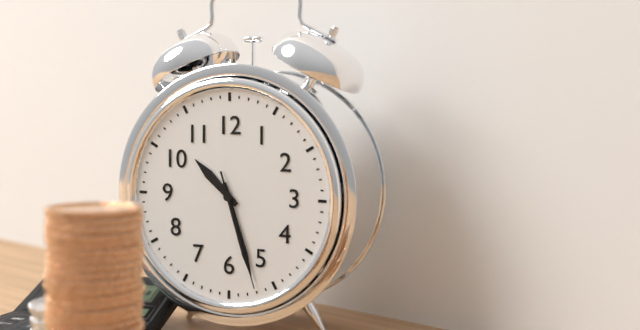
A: 10:27:27
